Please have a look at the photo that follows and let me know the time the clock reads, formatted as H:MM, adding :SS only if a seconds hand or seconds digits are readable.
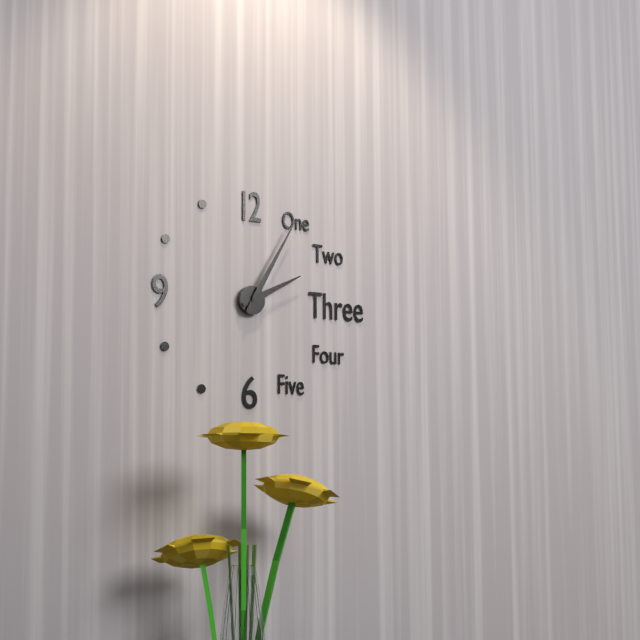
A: 2:05
